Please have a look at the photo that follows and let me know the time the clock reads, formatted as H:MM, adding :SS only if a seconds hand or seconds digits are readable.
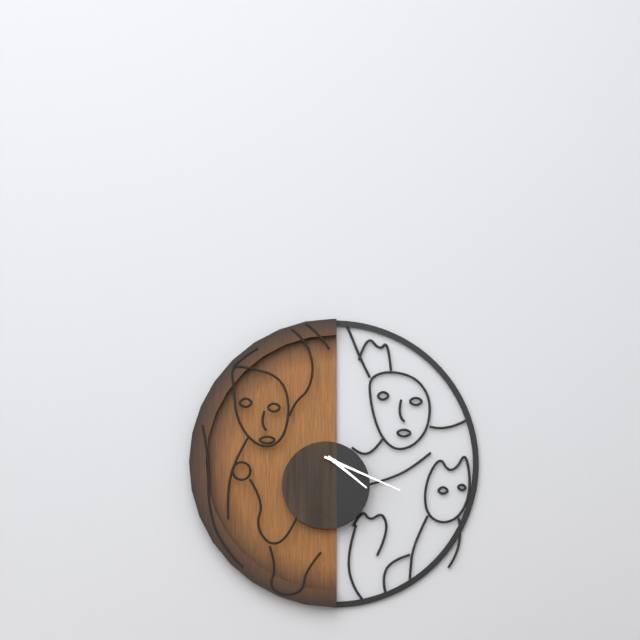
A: 4:19
